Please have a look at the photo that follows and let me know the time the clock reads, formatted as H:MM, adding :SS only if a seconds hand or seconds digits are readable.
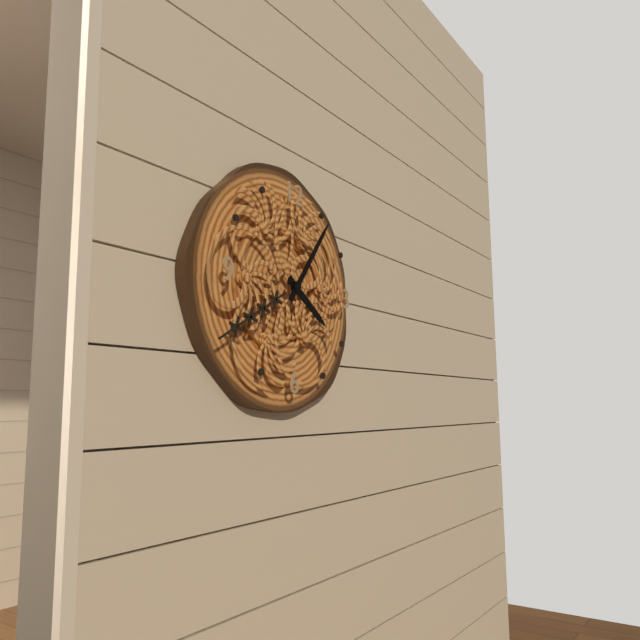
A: 4:06
